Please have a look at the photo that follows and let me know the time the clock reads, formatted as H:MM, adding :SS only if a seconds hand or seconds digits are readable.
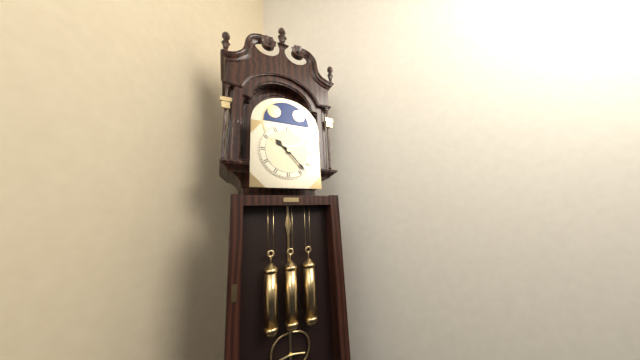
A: 10:23
